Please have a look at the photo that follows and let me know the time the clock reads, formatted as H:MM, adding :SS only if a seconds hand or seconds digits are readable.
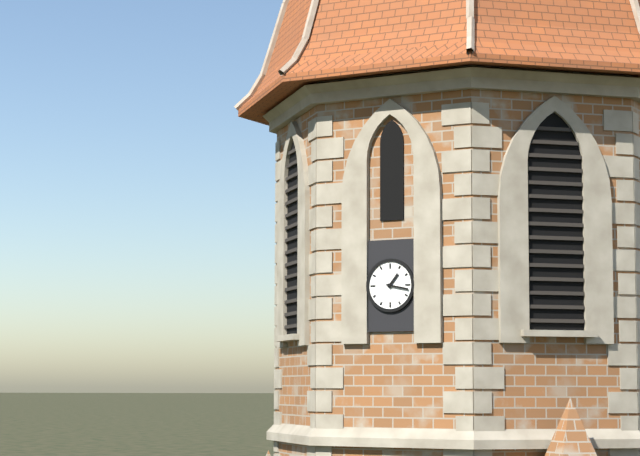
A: 1:17
